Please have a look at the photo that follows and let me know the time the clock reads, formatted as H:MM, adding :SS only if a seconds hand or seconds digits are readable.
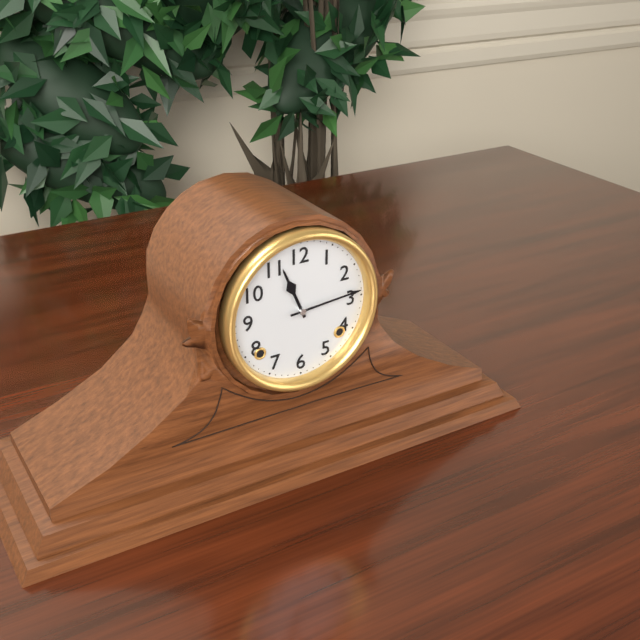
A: 11:14
